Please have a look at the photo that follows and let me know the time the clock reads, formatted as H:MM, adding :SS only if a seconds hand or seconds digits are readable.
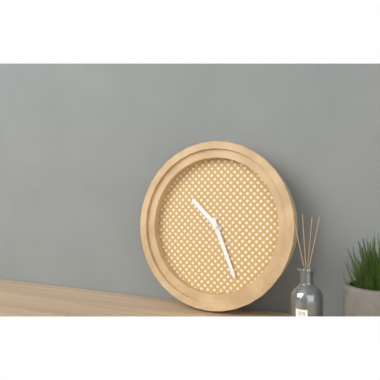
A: 10:26
